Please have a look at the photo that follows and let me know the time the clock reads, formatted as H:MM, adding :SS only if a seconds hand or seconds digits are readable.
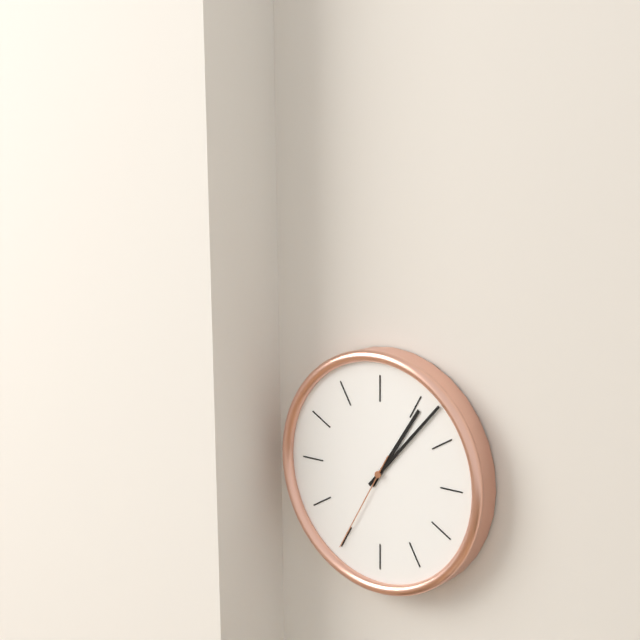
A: 1:07:35
